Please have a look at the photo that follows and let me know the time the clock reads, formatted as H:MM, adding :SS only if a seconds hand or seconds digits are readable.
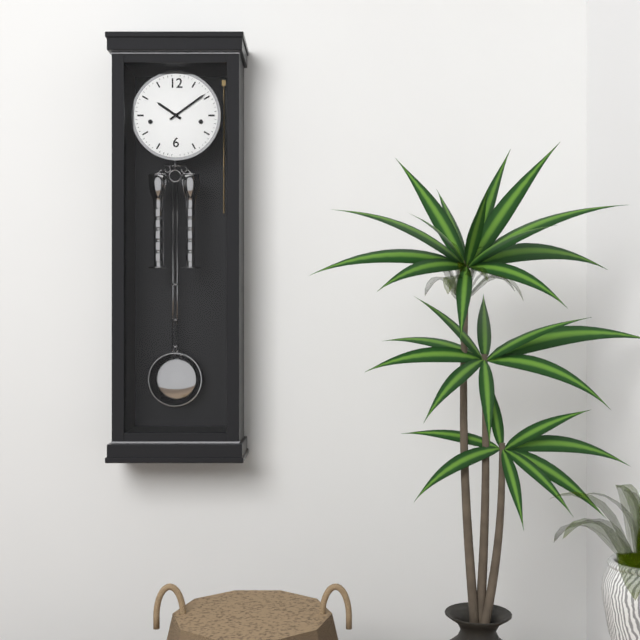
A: 10:09
